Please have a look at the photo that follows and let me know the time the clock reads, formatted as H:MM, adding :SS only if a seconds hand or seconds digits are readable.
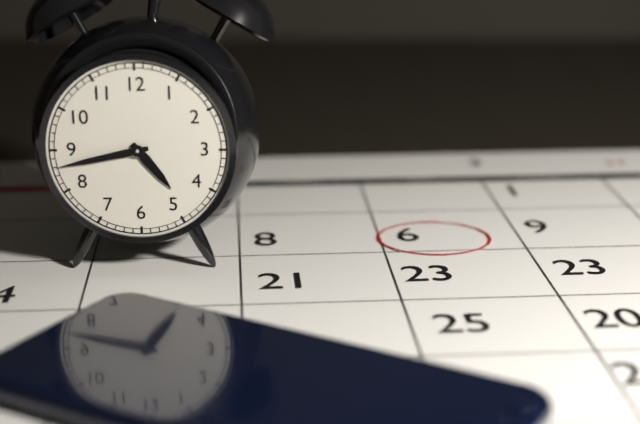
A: 4:43
